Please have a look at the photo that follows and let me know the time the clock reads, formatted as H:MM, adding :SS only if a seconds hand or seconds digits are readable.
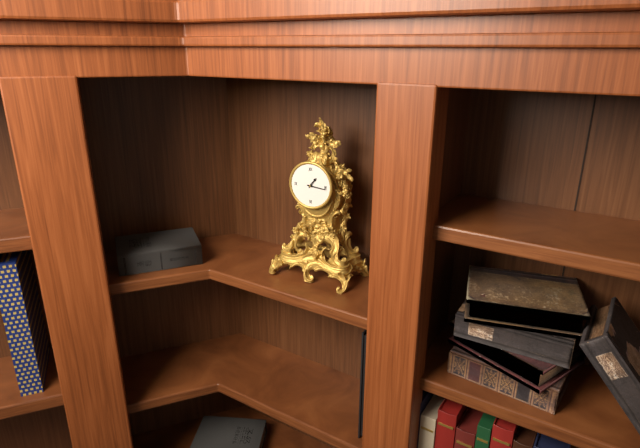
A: 1:16
